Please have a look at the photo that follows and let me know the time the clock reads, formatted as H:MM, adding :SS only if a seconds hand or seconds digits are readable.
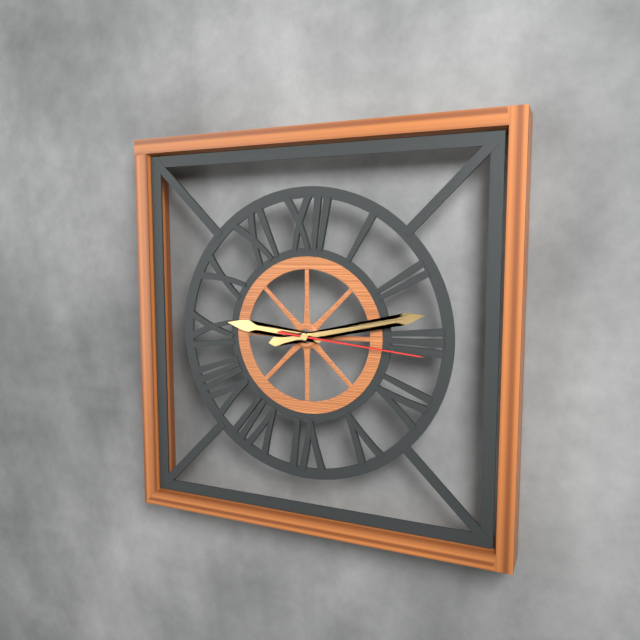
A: 9:13:16
